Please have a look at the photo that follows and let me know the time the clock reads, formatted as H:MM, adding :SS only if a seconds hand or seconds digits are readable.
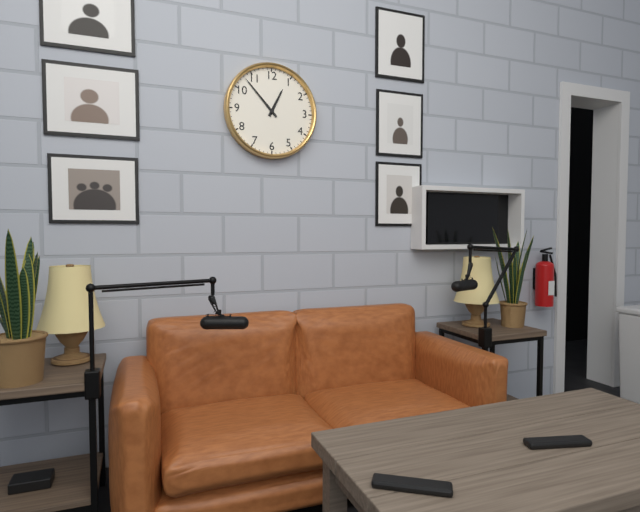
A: 12:53
